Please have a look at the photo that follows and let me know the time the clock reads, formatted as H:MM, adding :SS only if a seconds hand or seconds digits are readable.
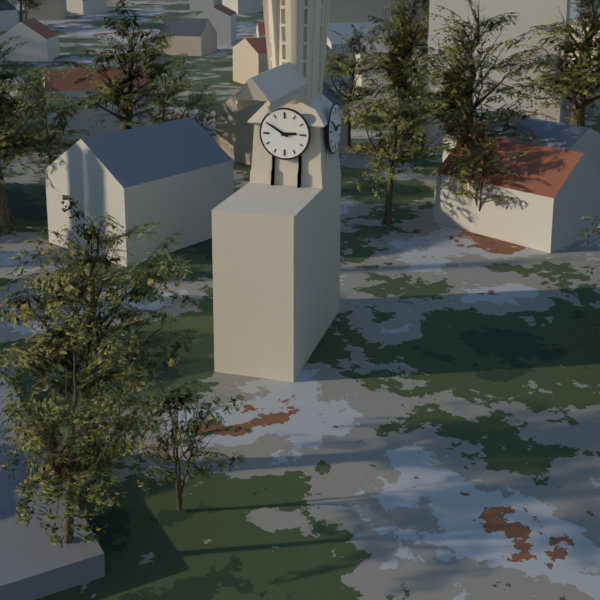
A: 2:50
